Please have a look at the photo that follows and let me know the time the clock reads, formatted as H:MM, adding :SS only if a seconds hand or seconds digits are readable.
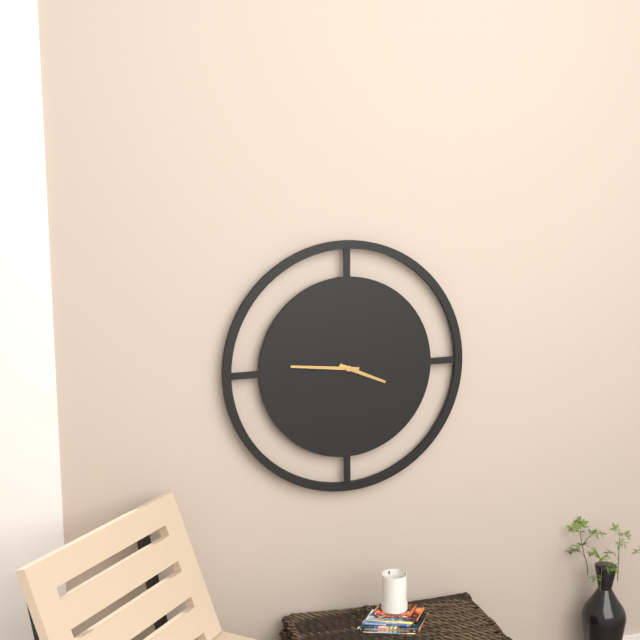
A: 3:46
